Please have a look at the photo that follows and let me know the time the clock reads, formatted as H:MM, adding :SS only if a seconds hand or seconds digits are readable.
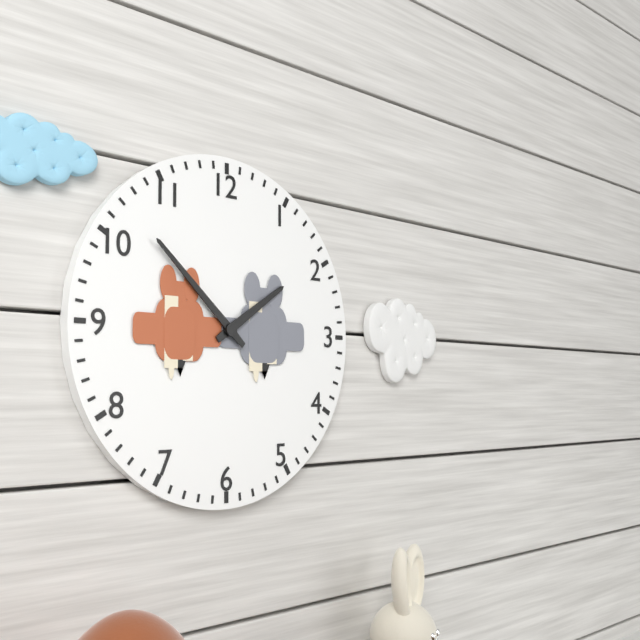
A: 1:52
